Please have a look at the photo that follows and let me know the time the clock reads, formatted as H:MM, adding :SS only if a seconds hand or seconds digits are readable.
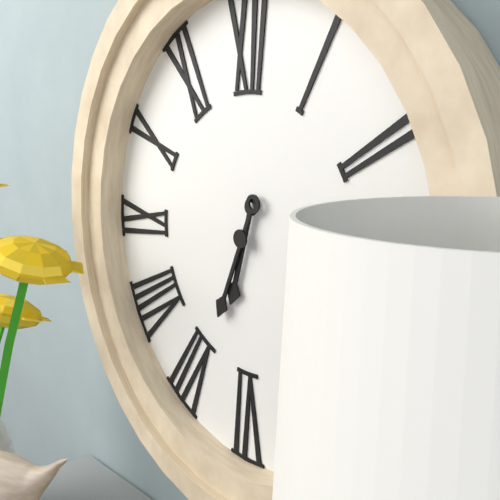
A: 6:34
